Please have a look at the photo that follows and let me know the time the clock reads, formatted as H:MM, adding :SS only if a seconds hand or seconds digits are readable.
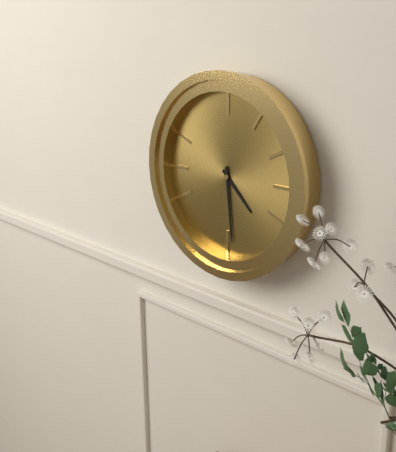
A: 4:29
